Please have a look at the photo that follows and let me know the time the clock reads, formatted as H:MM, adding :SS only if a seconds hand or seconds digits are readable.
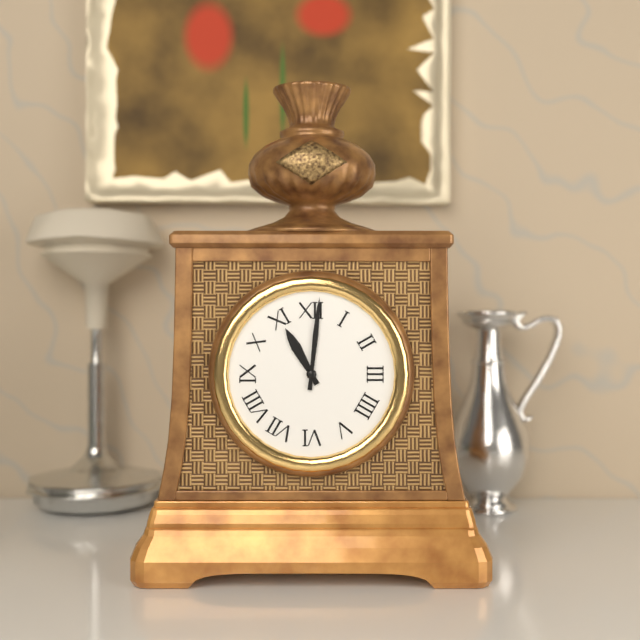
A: 11:01
